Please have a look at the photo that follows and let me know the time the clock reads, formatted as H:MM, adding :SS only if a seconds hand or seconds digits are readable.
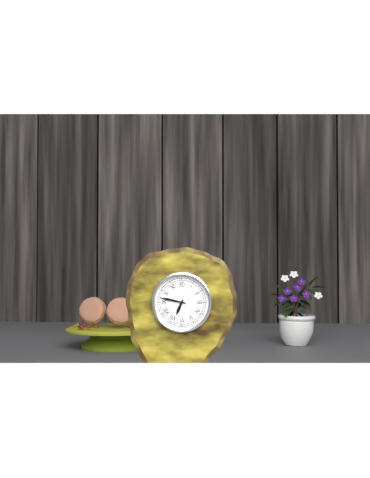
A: 6:47
